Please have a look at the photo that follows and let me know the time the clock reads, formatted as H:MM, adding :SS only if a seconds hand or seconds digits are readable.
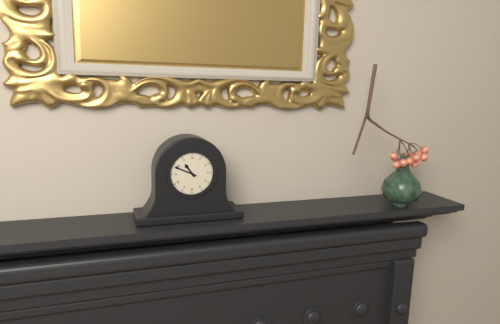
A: 10:49
